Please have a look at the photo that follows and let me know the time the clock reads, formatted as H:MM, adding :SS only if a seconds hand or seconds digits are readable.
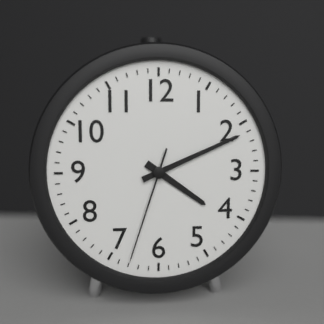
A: 4:11:33
